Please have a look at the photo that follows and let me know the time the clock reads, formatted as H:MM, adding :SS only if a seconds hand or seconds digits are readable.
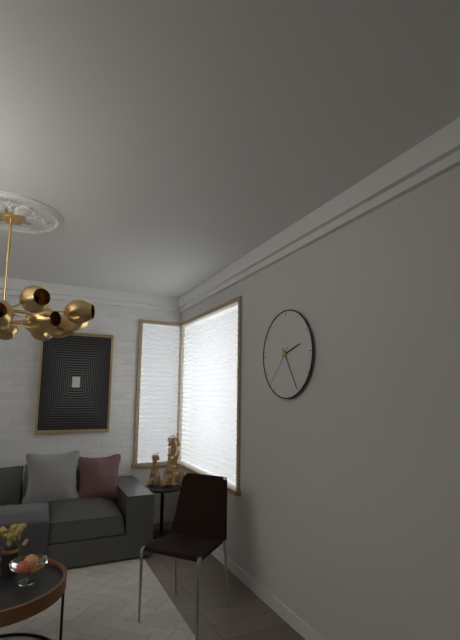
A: 2:25
